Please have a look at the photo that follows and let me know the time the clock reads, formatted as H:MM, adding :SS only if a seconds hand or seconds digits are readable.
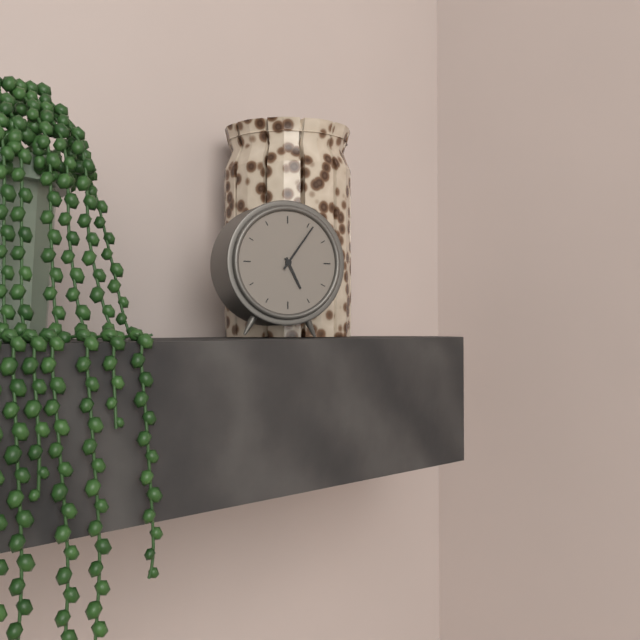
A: 5:06
